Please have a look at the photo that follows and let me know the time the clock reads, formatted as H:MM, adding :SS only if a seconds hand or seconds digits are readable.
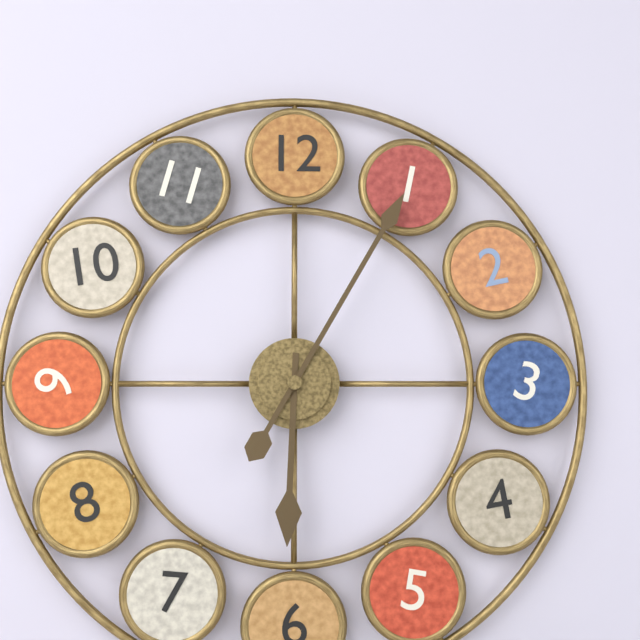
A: 6:05
